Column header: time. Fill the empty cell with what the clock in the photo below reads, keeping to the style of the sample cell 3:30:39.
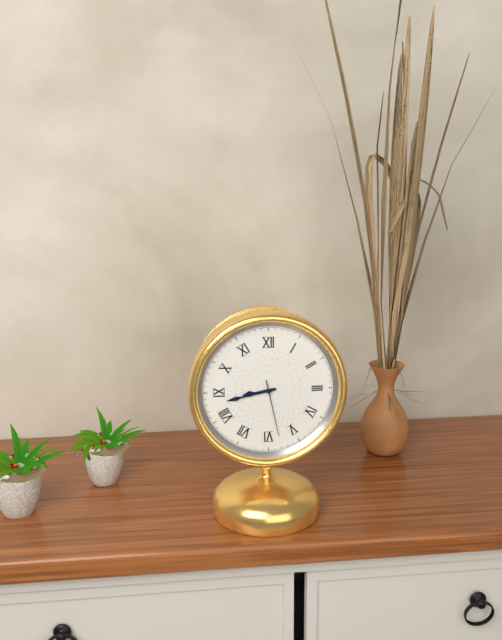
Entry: 8:43:28
